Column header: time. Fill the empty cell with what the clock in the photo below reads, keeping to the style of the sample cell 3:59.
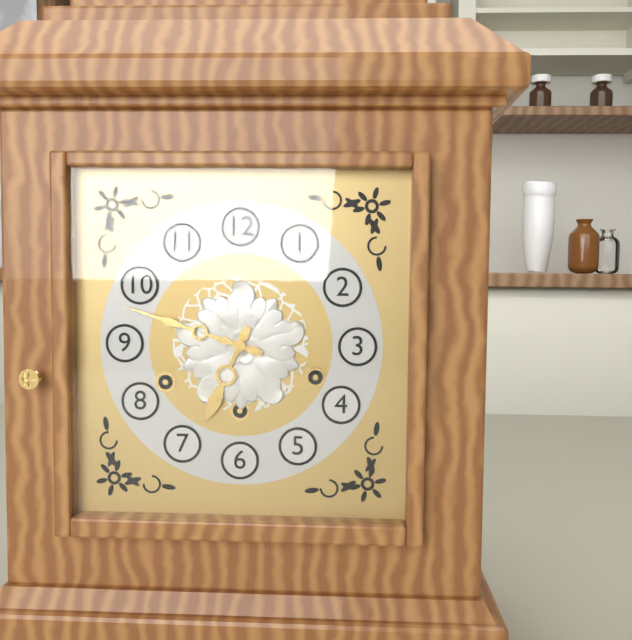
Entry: 6:48
